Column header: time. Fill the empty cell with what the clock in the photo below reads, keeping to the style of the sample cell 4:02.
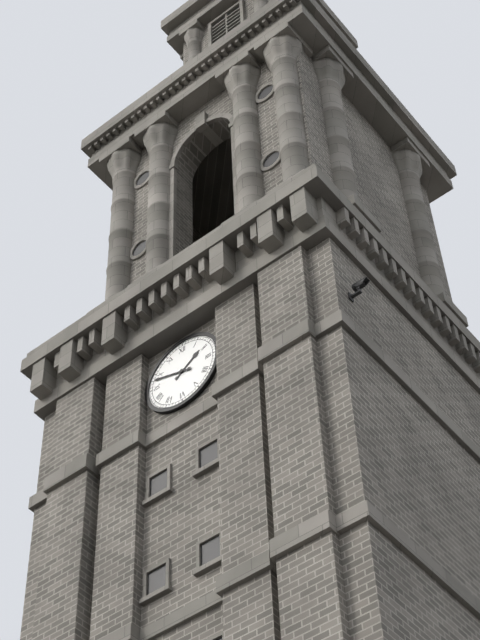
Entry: 1:48
